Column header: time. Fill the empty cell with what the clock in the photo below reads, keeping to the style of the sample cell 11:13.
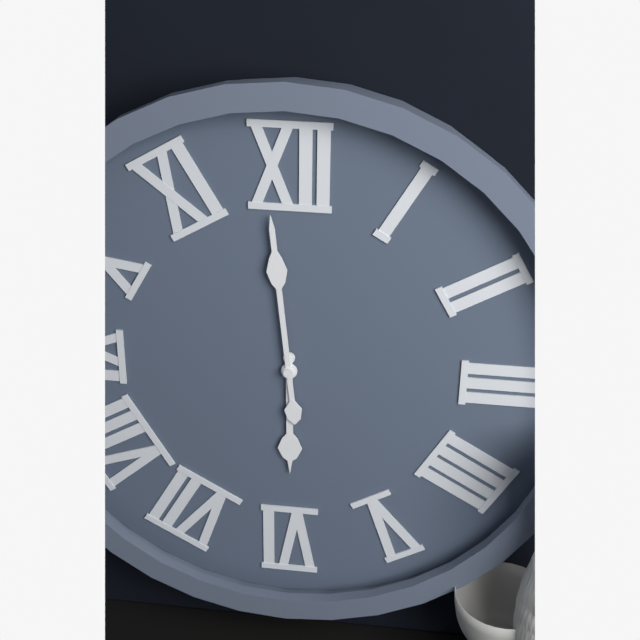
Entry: 5:59
